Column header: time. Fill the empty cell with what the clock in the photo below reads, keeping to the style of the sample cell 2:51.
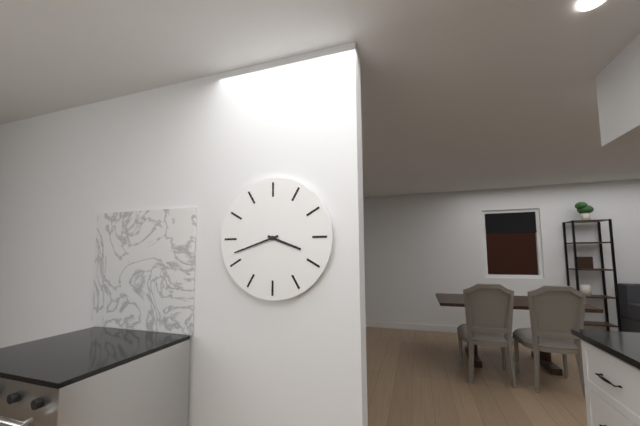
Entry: 3:42
